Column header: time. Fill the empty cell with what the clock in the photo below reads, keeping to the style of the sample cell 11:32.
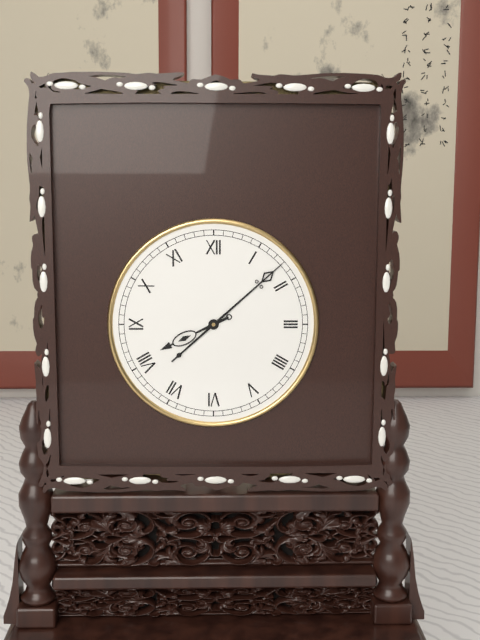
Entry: 8:08
